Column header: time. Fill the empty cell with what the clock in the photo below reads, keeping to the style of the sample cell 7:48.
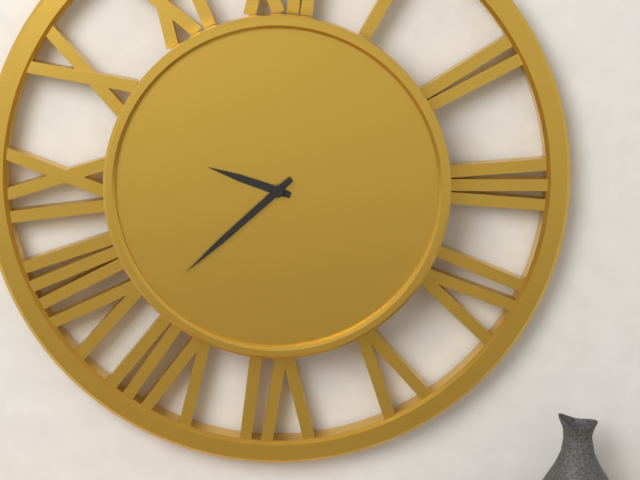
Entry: 9:38
